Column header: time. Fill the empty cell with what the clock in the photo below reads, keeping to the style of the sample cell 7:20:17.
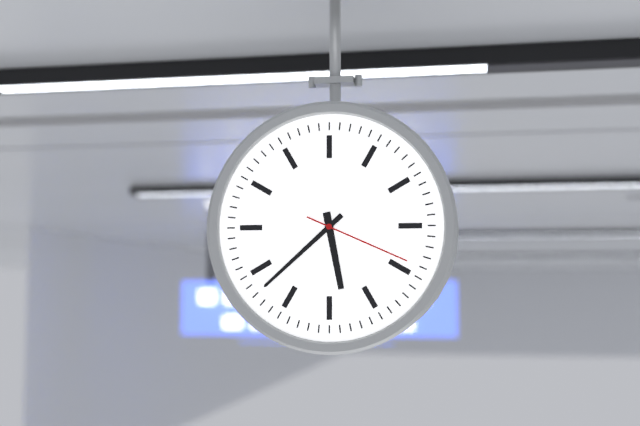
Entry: 5:38:19
